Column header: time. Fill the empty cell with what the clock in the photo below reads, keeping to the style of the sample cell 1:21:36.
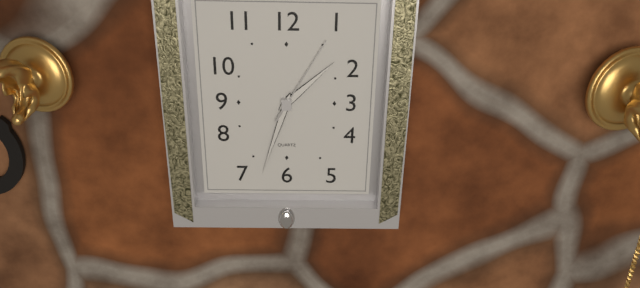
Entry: 1:33:05
